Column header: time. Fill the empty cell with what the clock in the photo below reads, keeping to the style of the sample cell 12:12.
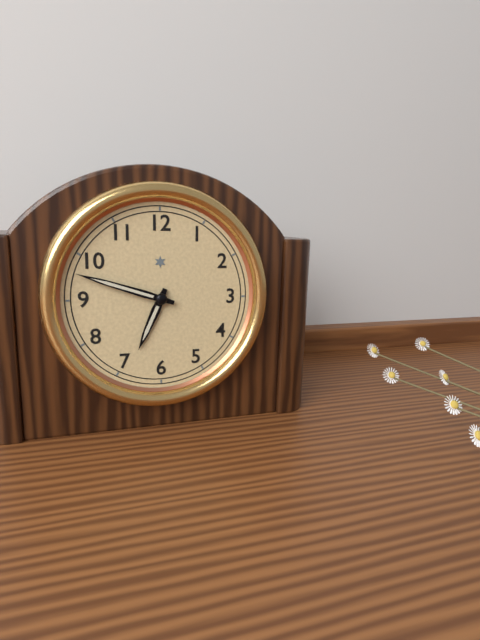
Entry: 6:48
